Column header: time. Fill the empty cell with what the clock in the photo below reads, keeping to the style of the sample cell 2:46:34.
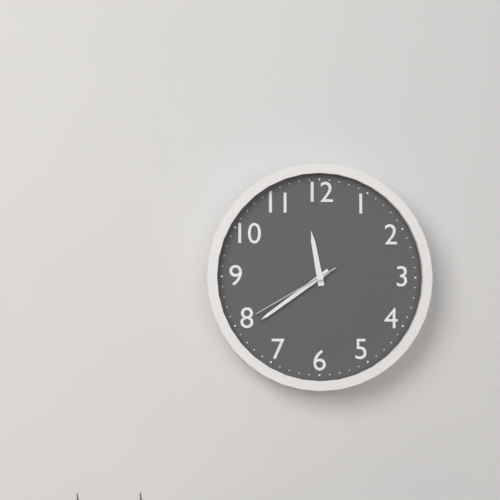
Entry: 11:39:40
